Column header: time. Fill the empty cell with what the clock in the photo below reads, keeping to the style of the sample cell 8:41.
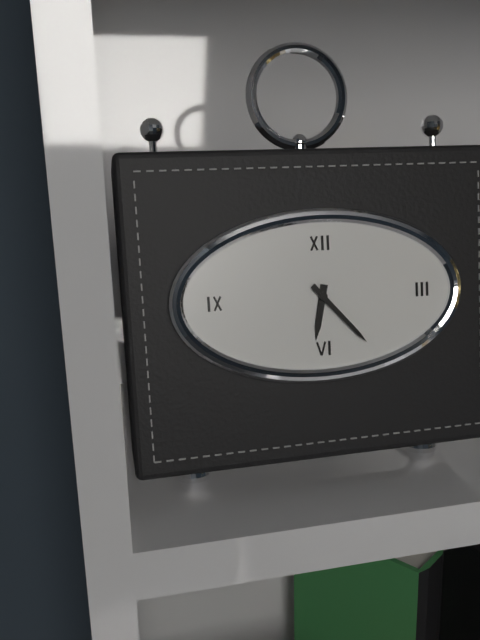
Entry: 6:23
